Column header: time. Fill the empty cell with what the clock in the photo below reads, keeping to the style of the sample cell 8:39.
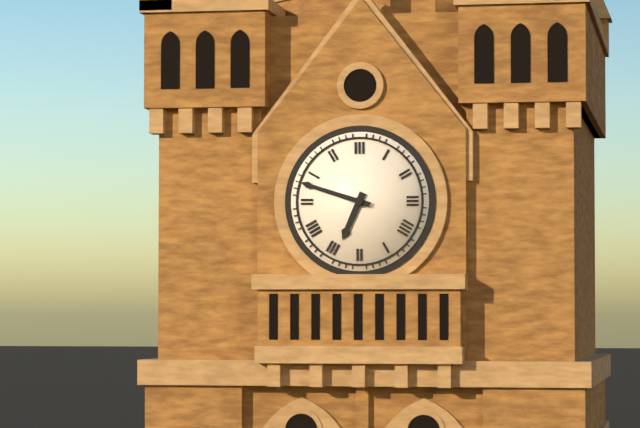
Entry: 6:48
